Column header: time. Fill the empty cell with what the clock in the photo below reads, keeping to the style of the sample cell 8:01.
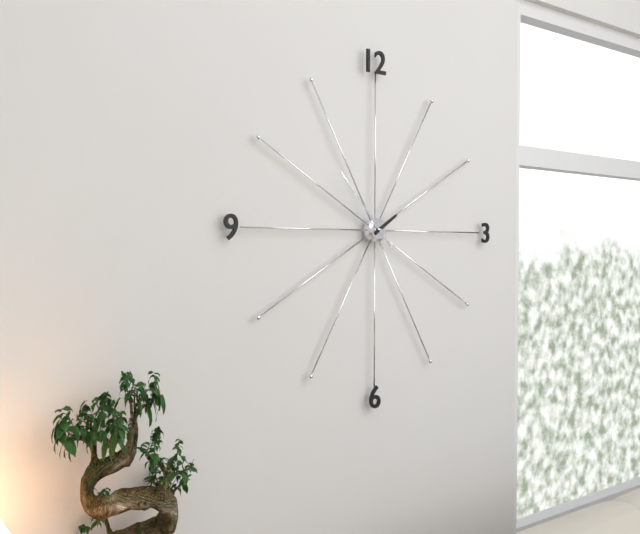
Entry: 1:53
